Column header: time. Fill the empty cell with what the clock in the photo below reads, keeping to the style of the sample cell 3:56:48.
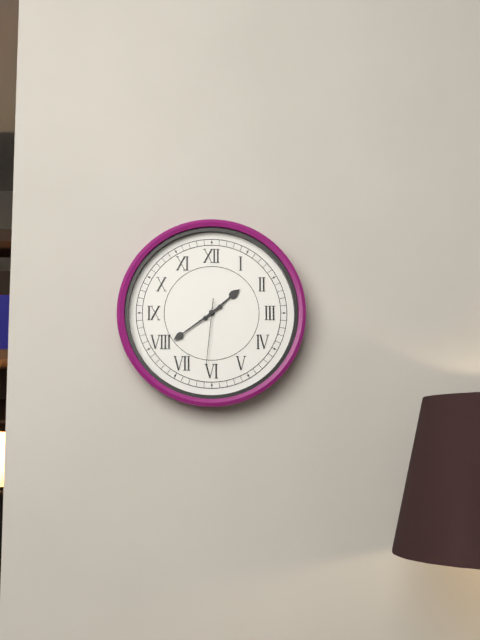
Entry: 1:39:31
